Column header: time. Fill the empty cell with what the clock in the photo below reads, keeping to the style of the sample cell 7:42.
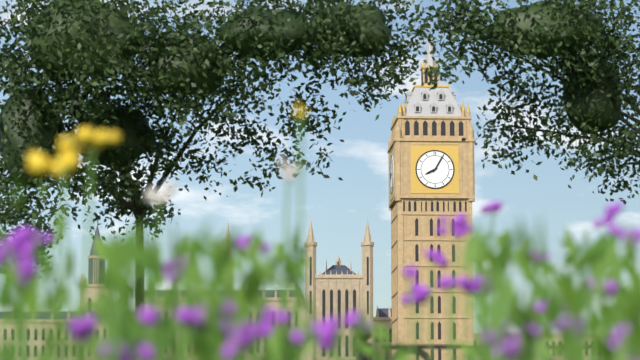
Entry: 8:05
